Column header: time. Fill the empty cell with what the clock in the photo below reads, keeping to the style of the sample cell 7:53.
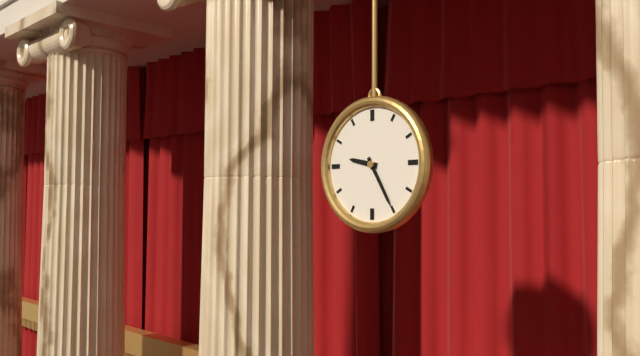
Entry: 9:25
